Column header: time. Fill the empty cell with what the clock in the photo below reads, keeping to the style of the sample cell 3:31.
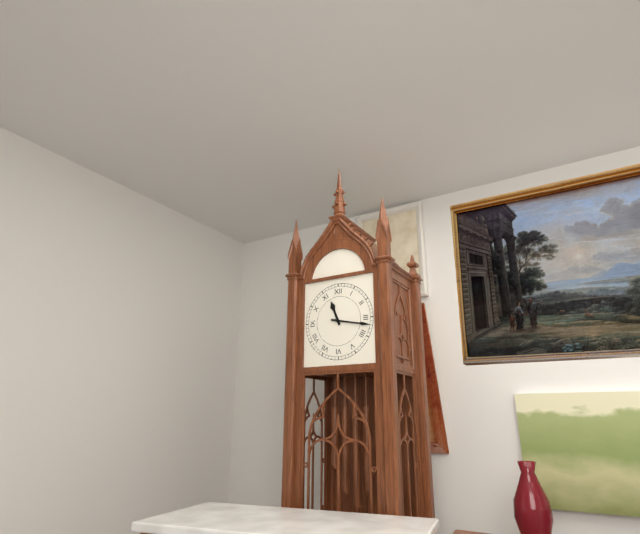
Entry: 11:17
